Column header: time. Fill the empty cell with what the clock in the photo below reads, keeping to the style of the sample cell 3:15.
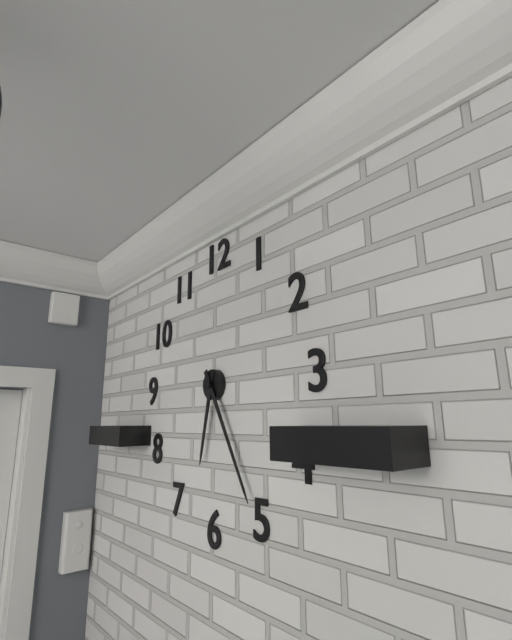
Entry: 6:25
